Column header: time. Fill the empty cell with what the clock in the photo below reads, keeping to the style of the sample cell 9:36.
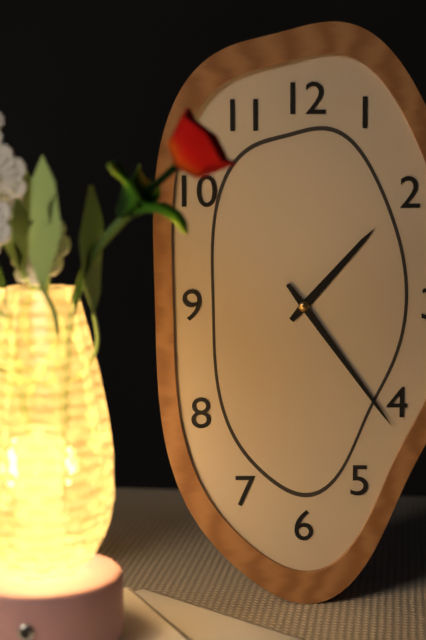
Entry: 1:24
